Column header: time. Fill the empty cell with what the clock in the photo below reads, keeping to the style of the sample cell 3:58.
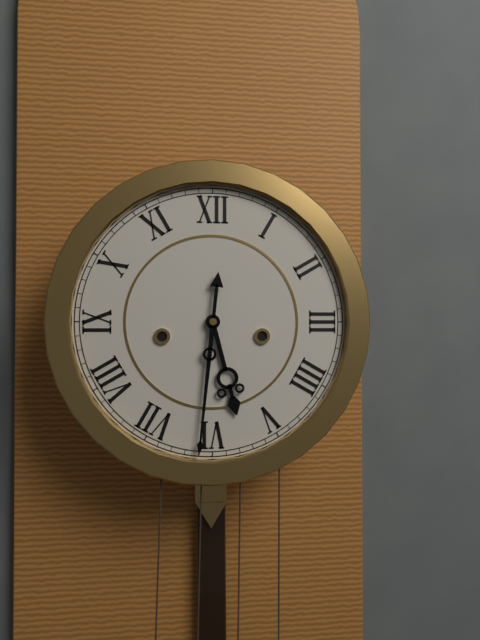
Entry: 5:31
